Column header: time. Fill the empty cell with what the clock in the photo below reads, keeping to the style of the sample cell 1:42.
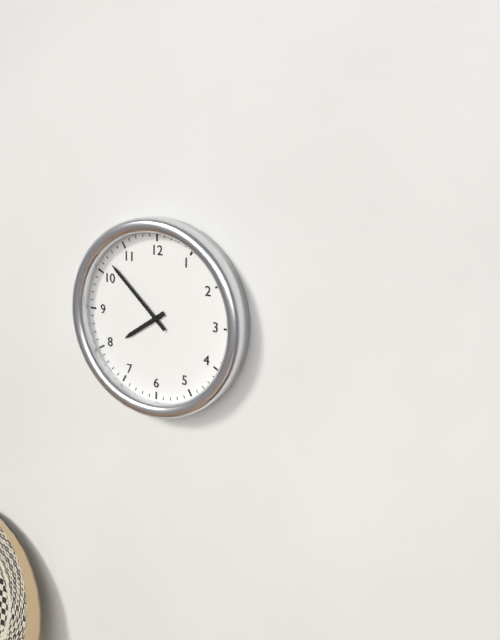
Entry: 7:52
